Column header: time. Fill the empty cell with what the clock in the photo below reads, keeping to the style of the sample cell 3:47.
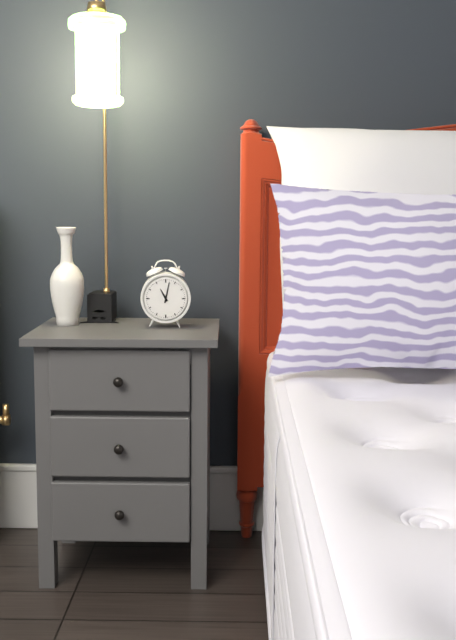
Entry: 11:02
